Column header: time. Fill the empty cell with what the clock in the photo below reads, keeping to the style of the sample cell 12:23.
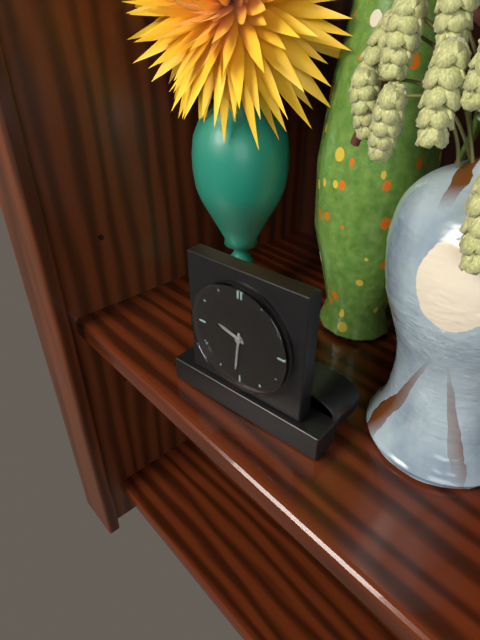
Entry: 9:31
